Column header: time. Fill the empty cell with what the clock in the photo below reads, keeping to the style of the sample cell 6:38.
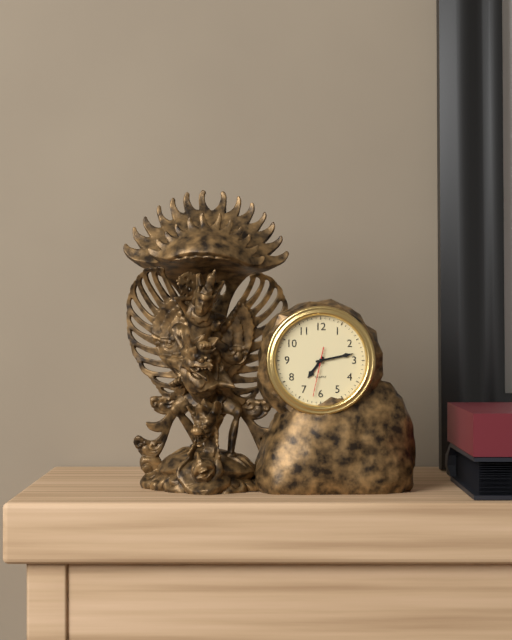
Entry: 7:13
